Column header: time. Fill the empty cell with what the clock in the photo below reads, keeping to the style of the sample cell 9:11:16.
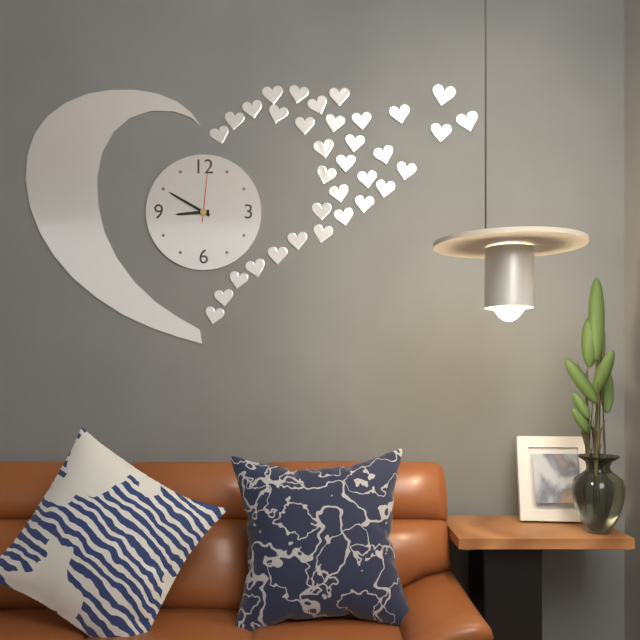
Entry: 8:50:01
